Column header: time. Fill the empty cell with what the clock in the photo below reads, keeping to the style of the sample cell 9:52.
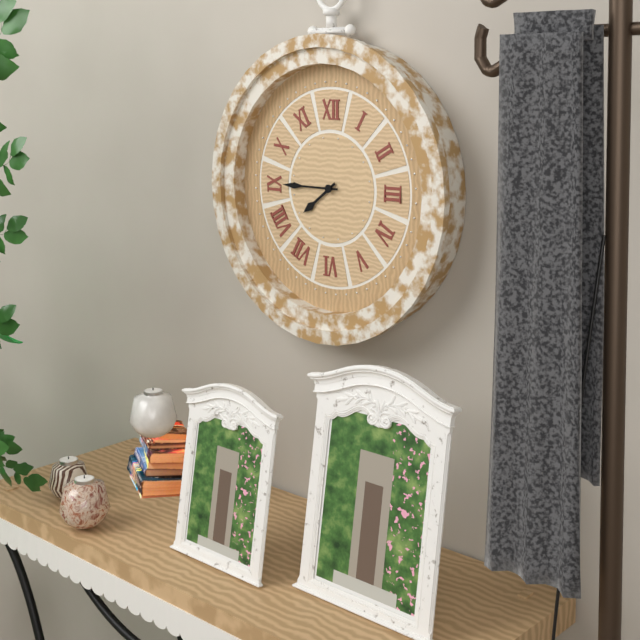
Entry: 7:45
